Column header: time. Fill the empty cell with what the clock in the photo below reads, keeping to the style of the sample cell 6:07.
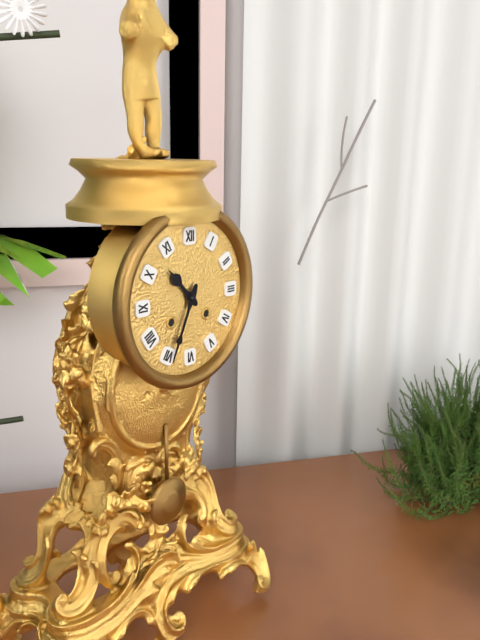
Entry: 10:34
